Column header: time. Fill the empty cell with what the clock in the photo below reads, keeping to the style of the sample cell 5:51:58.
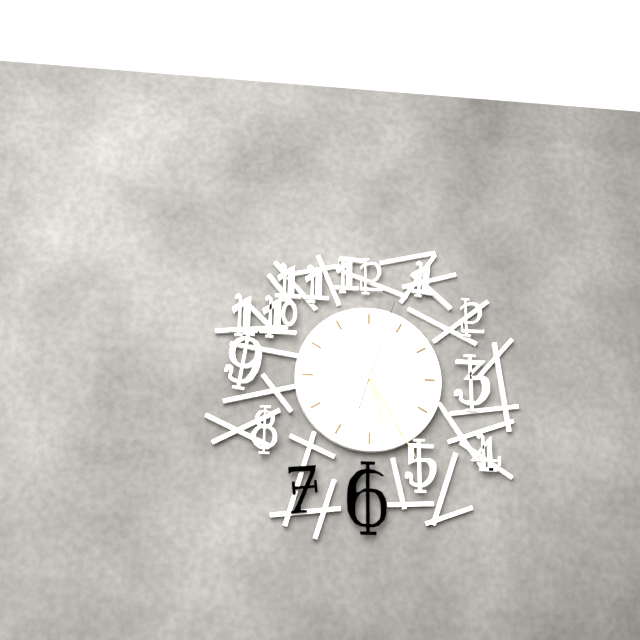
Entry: 5:25:03
